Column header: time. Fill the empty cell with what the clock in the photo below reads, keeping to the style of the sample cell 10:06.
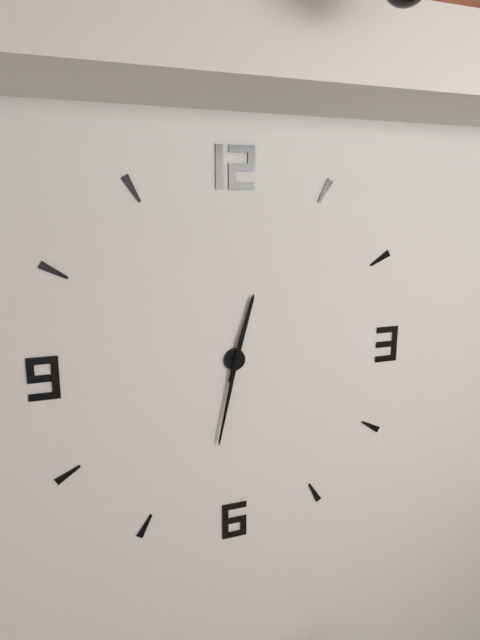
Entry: 12:32
